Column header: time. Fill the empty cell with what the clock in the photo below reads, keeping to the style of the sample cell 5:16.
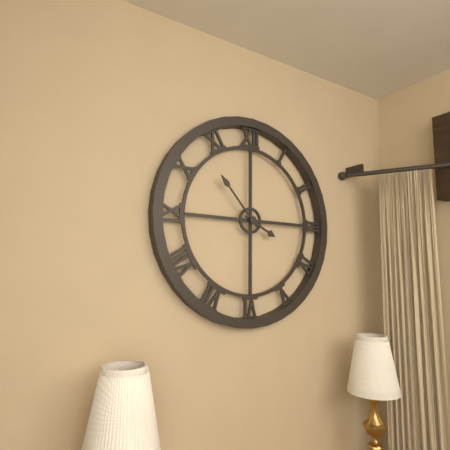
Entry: 3:53
